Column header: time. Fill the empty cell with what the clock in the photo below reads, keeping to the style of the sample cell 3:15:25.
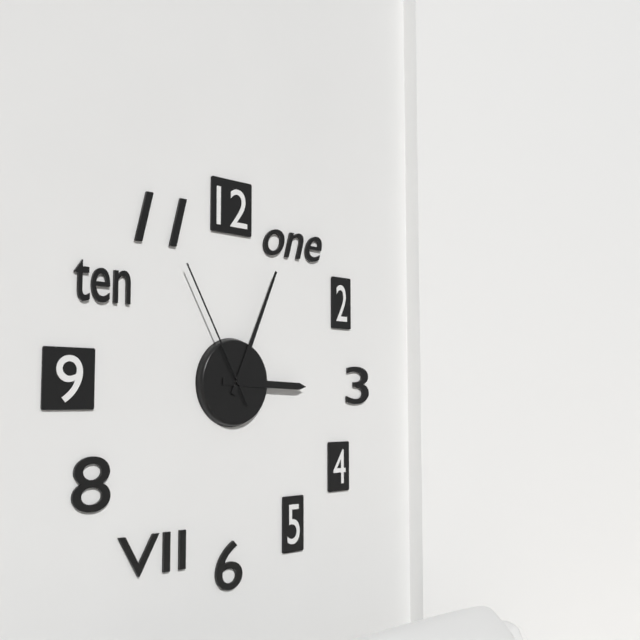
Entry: 3:04:55
